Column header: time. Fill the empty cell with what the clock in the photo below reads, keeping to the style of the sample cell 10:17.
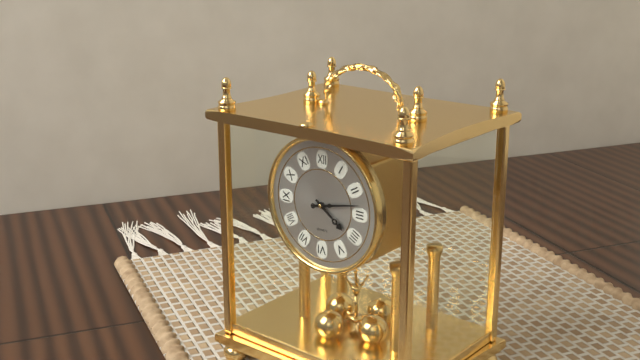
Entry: 4:13
